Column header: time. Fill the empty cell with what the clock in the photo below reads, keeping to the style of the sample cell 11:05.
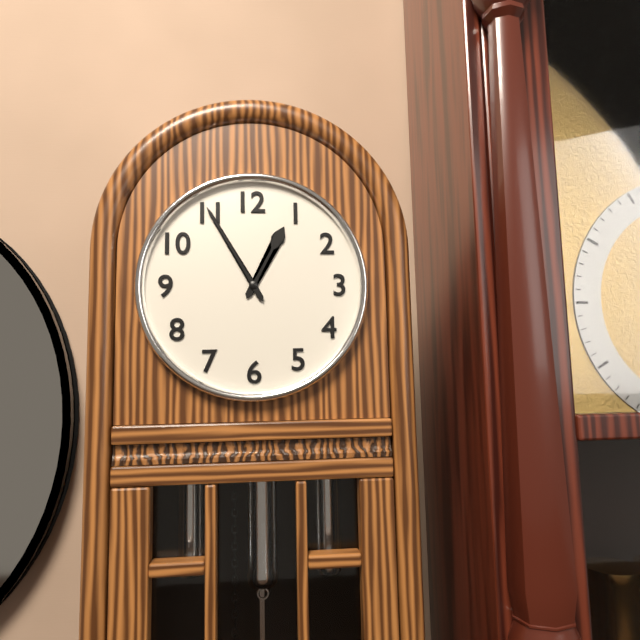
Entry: 12:55
